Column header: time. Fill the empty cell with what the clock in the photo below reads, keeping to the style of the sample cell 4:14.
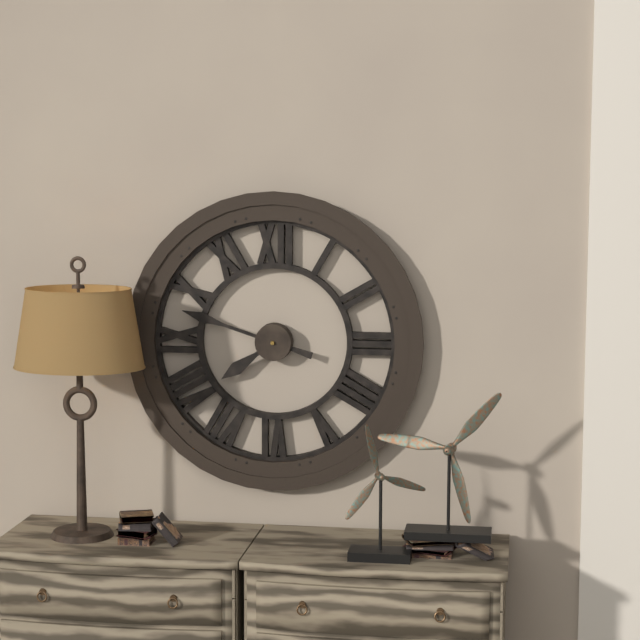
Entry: 7:48
